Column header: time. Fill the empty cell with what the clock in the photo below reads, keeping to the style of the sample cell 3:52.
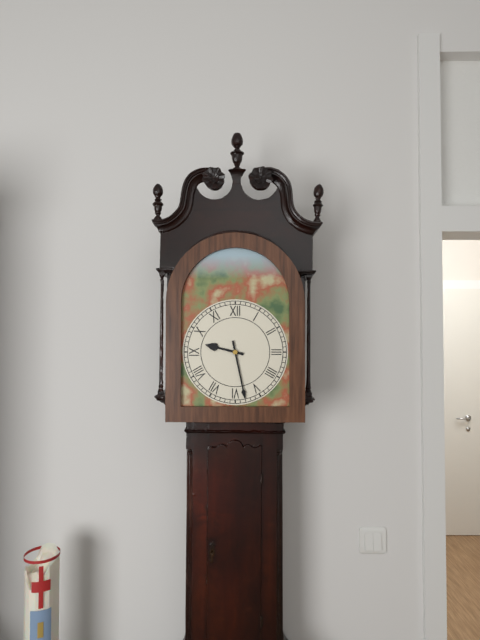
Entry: 9:28
